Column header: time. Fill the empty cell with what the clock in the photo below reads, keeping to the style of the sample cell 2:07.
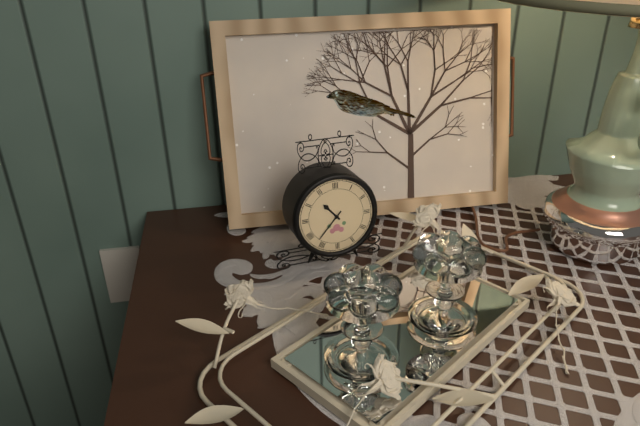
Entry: 10:37
